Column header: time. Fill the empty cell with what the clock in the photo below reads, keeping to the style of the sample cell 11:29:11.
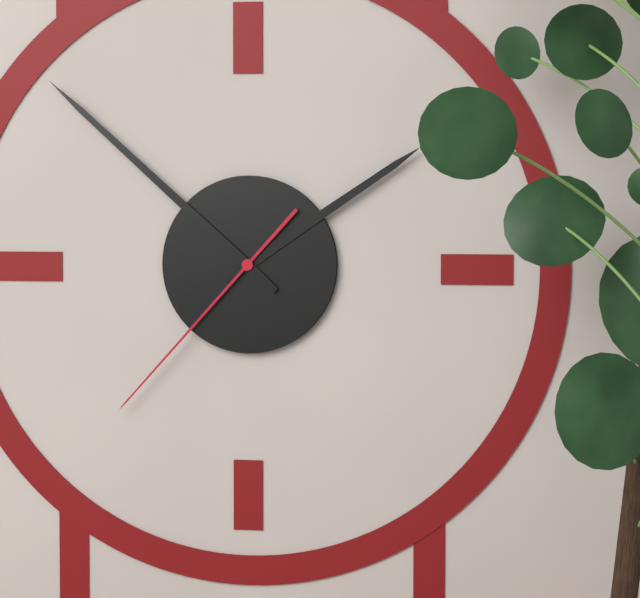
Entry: 1:52:37
